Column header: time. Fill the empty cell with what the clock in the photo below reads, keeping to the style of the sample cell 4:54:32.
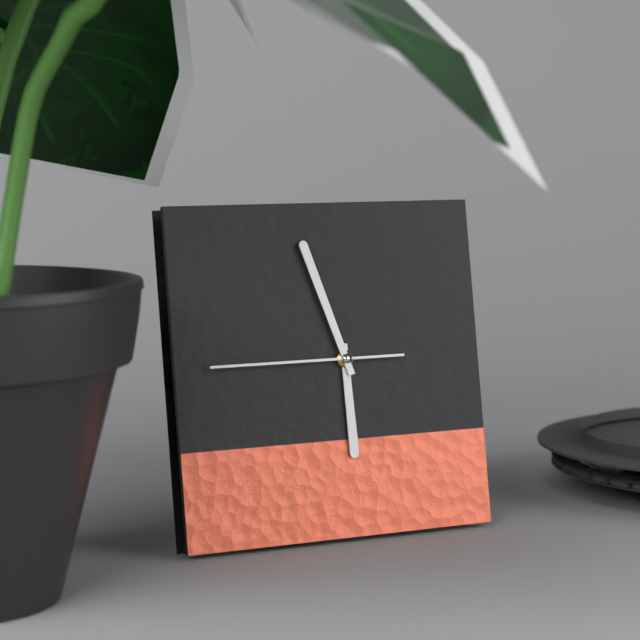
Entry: 5:57:45
